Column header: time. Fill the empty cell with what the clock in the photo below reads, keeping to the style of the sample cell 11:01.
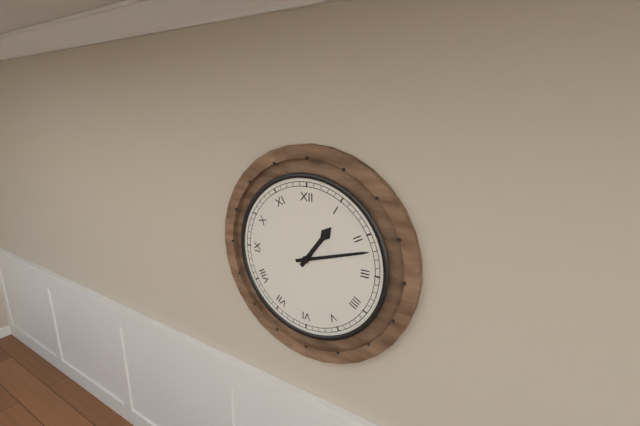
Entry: 1:12
